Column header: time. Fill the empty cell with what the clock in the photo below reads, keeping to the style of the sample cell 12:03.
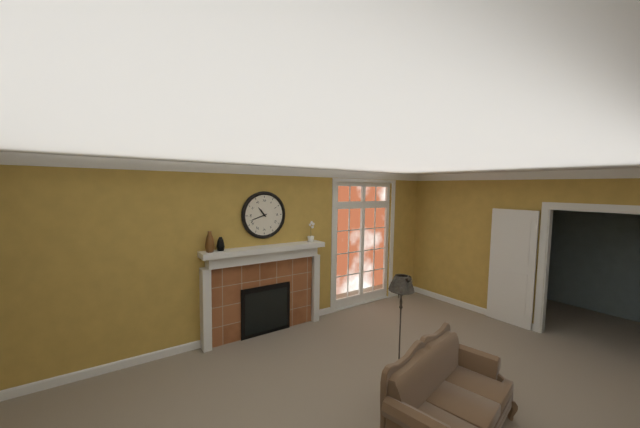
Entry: 10:42
